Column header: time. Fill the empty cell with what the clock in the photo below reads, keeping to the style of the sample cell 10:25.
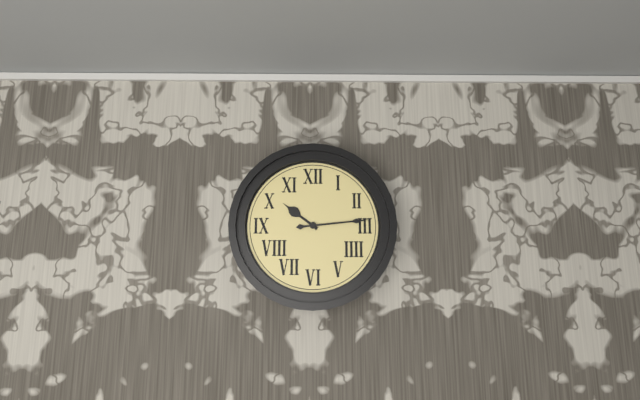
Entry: 10:14
